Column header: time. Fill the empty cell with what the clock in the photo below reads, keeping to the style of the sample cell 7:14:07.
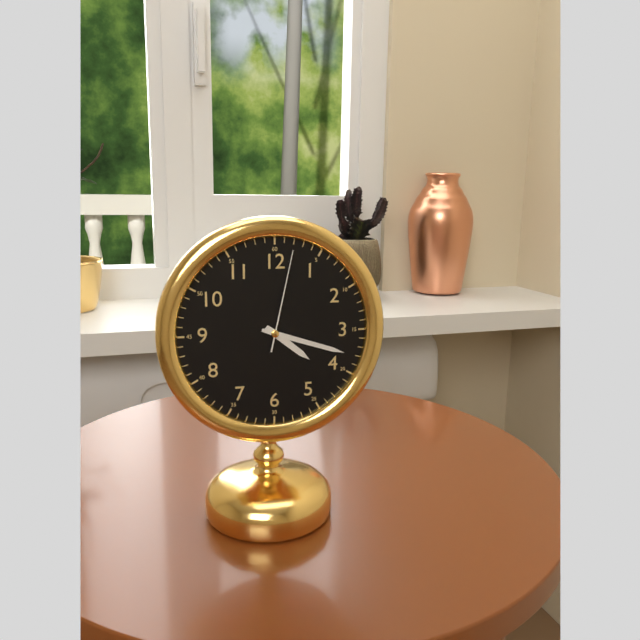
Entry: 4:18:02
